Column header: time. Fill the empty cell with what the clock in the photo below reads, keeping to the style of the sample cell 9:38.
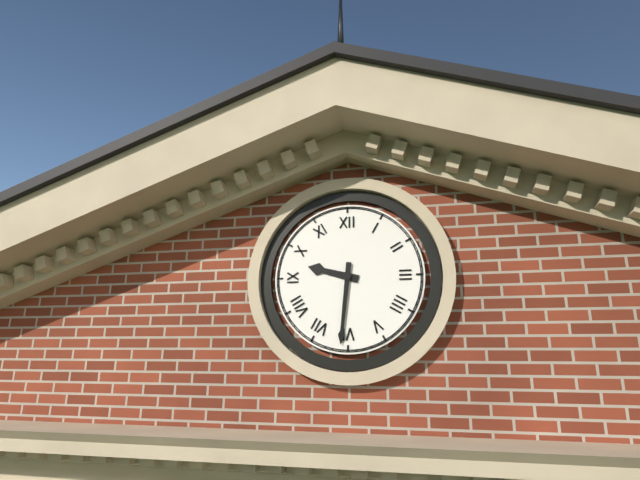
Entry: 9:31
